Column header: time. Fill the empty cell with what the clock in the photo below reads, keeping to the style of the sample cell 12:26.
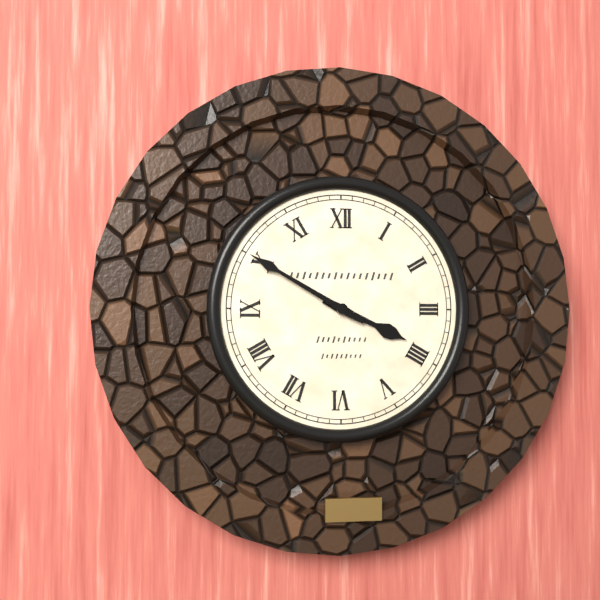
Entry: 3:50
